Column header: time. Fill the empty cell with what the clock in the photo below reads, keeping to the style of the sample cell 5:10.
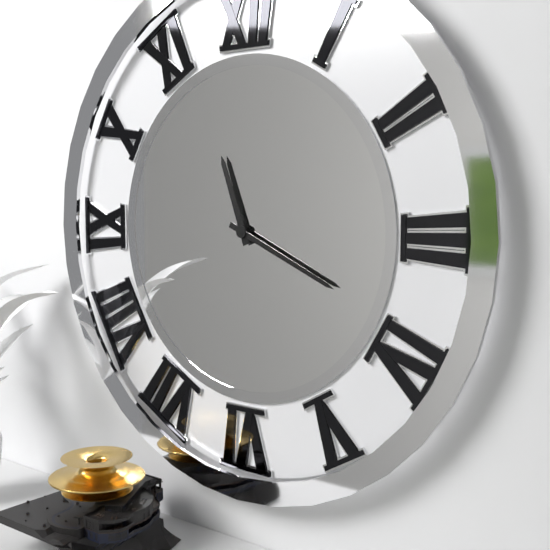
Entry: 11:19
